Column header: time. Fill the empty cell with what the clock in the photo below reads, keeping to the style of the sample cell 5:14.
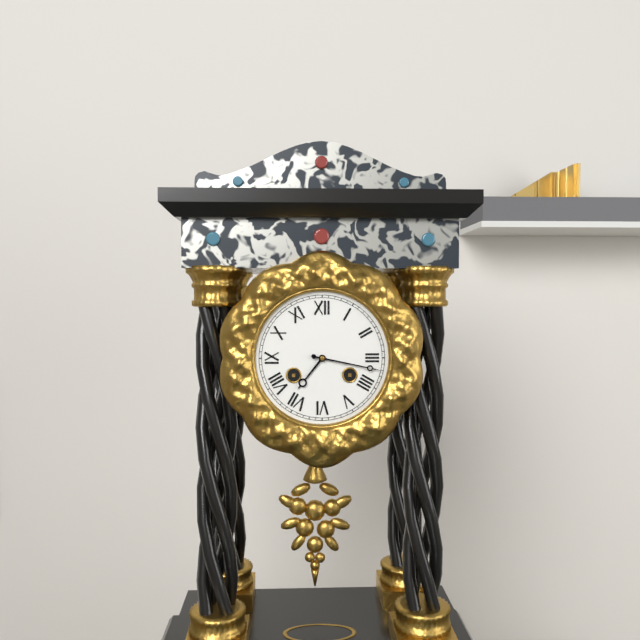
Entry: 7:17
